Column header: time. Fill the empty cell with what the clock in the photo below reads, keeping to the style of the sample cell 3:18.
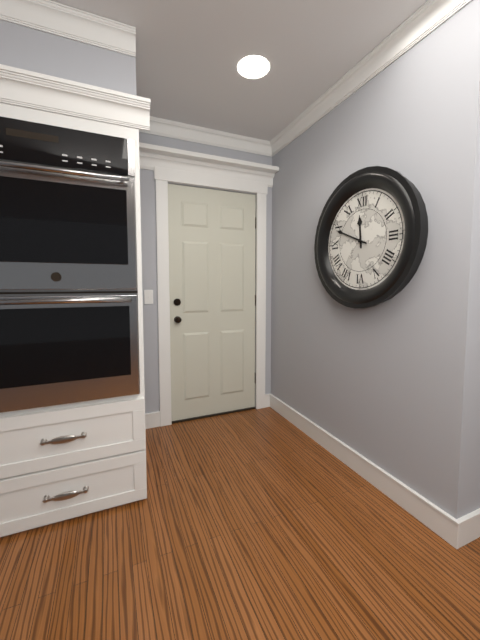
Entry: 11:49
